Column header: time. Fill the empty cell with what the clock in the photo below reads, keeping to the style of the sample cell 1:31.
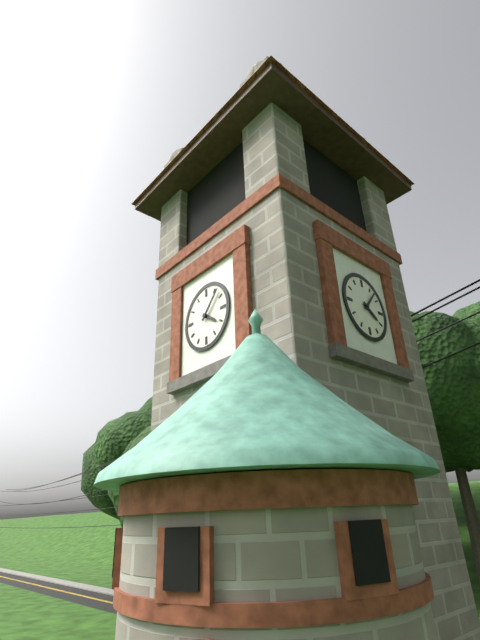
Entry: 4:07
